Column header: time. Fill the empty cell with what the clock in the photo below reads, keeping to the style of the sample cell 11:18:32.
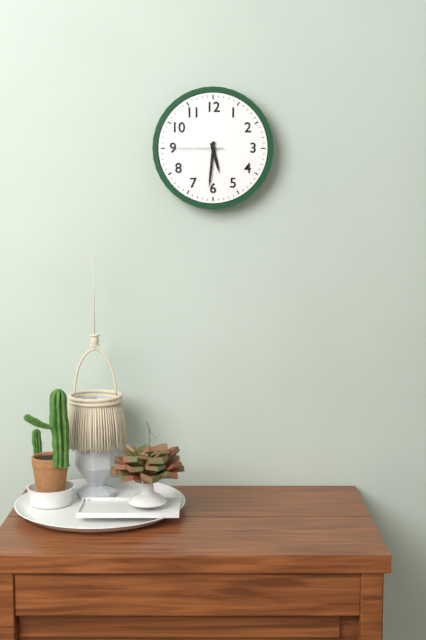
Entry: 5:31:45
